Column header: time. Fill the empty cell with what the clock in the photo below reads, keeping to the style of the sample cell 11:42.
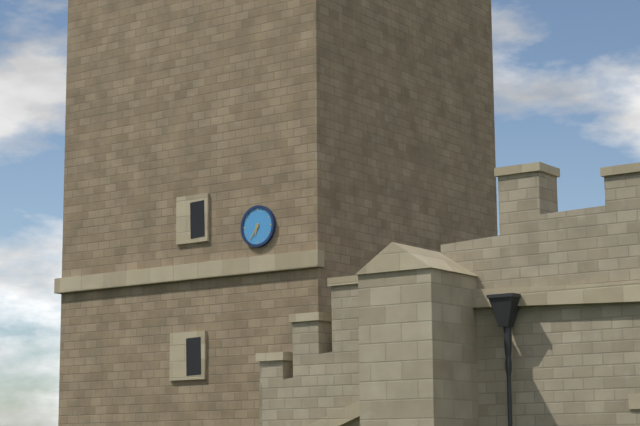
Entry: 6:36
